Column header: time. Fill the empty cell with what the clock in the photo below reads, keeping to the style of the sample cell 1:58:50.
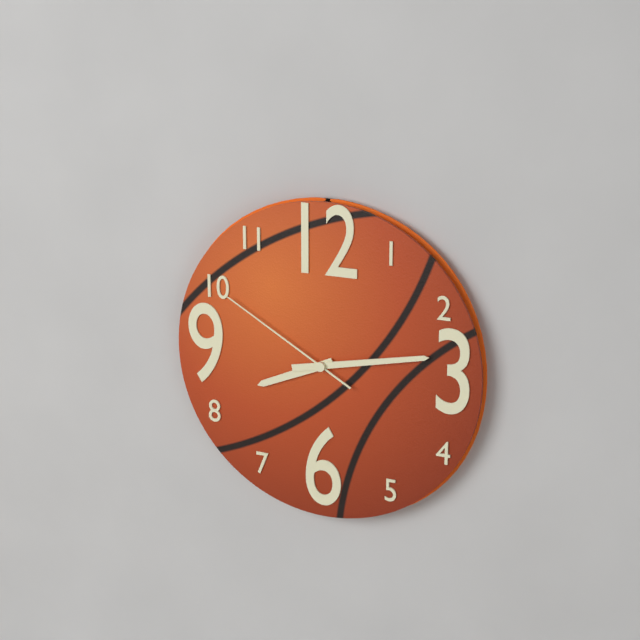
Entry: 8:13:50
